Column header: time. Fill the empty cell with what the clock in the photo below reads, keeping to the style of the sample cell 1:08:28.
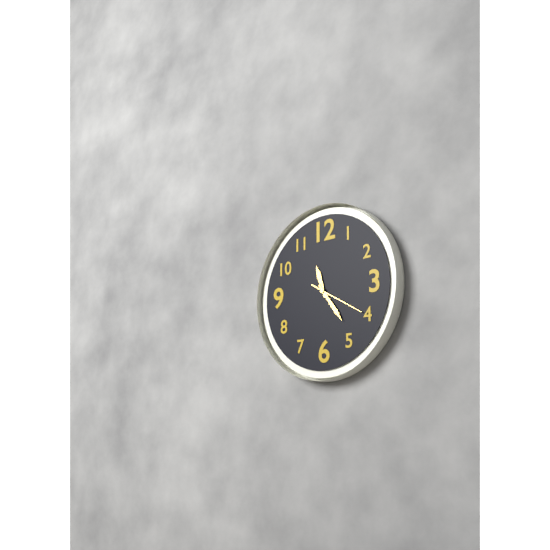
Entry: 11:24:20
